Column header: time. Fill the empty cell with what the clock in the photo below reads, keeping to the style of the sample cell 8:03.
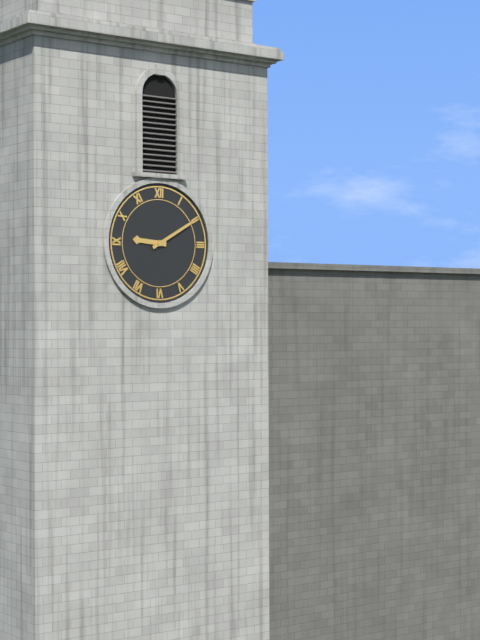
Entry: 9:10
